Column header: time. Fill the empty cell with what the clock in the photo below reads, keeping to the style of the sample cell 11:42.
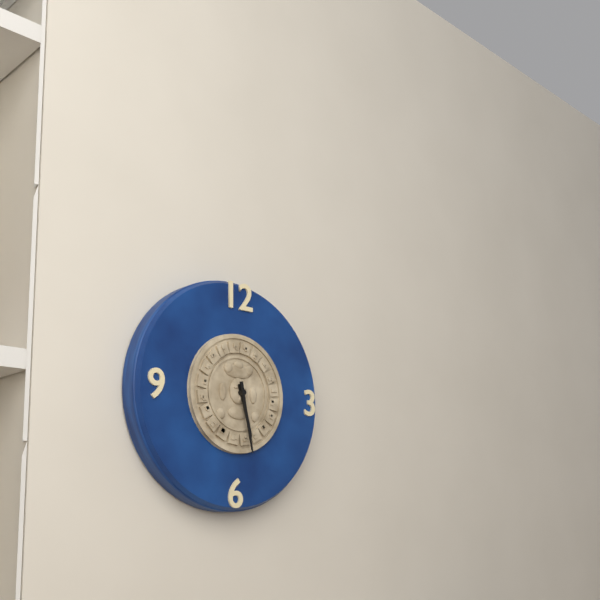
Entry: 5:28
